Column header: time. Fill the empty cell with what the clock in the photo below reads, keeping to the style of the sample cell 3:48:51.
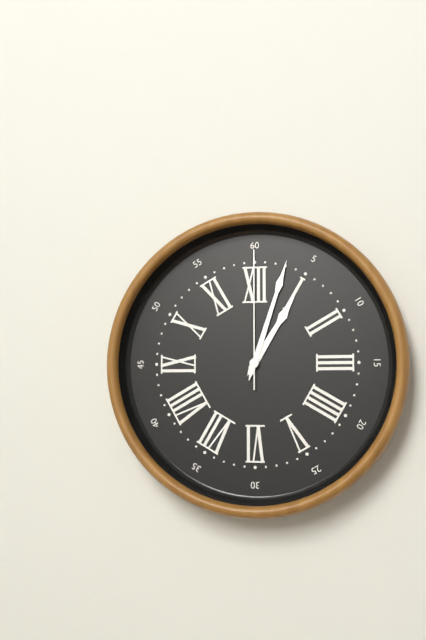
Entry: 1:03:00
